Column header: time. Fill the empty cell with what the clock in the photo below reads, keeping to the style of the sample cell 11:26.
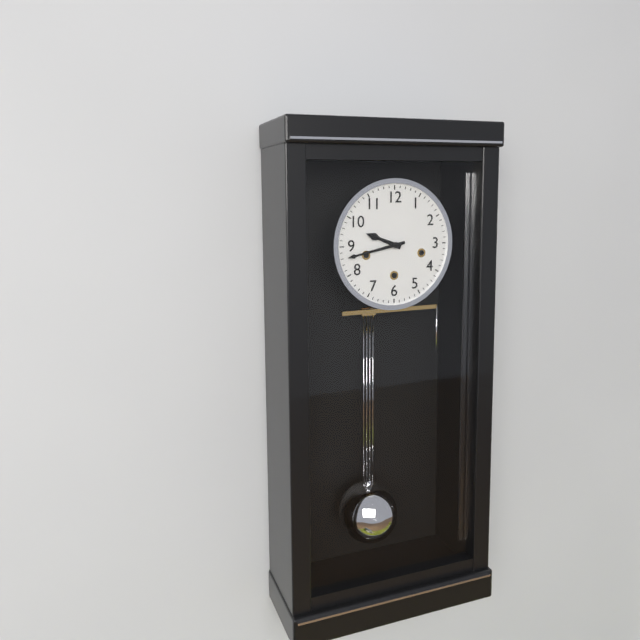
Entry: 9:43
